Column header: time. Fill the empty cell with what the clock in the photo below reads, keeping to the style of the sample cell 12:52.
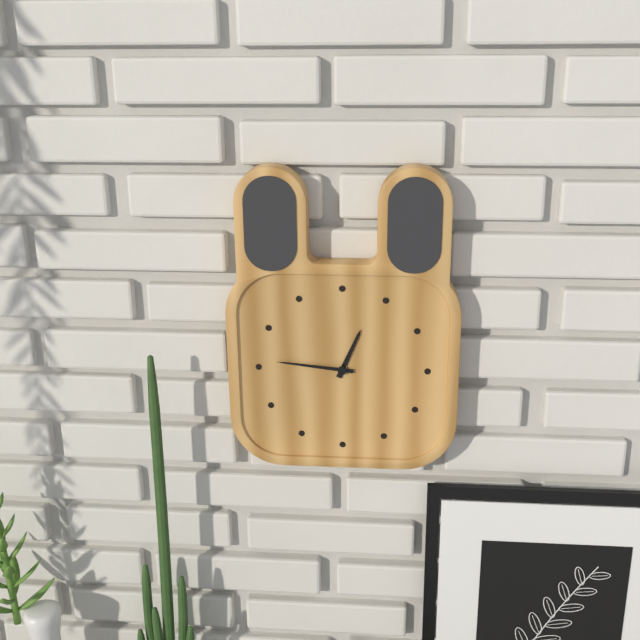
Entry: 12:46
